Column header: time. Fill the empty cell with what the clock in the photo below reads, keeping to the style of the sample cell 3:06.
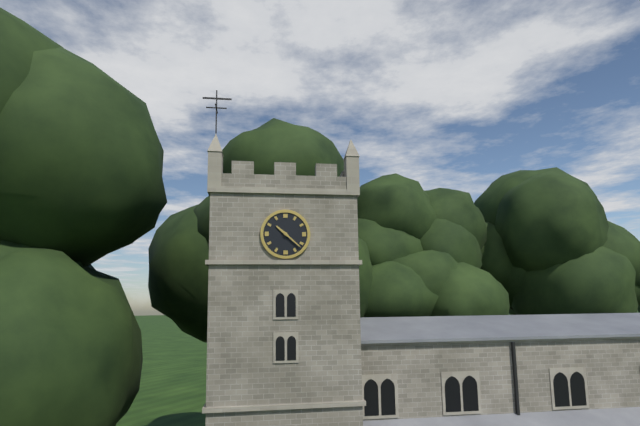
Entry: 10:22
